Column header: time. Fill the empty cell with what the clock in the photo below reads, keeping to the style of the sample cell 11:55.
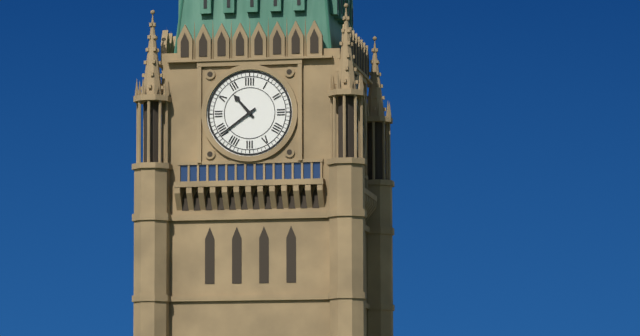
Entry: 10:39
